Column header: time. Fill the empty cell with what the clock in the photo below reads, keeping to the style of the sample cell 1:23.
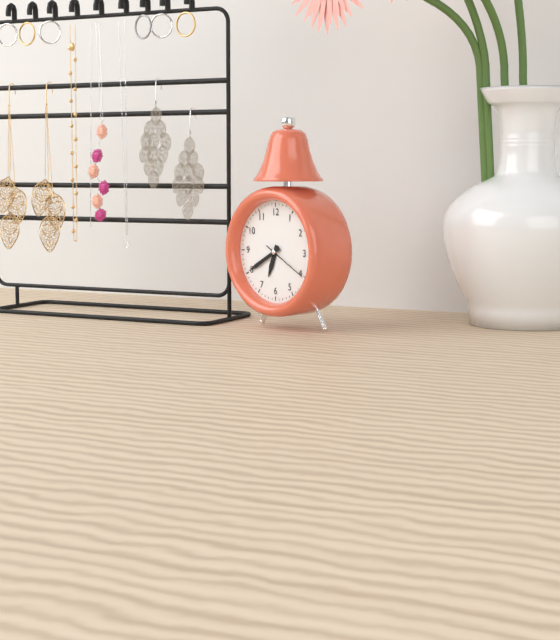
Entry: 6:40
